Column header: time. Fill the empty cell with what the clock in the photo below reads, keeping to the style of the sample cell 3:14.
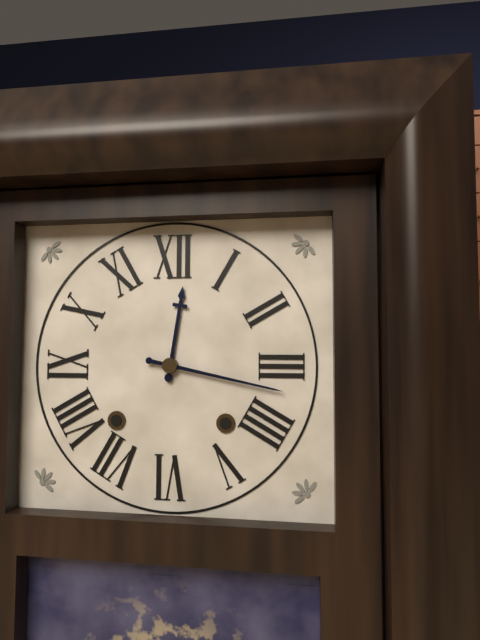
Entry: 12:17
